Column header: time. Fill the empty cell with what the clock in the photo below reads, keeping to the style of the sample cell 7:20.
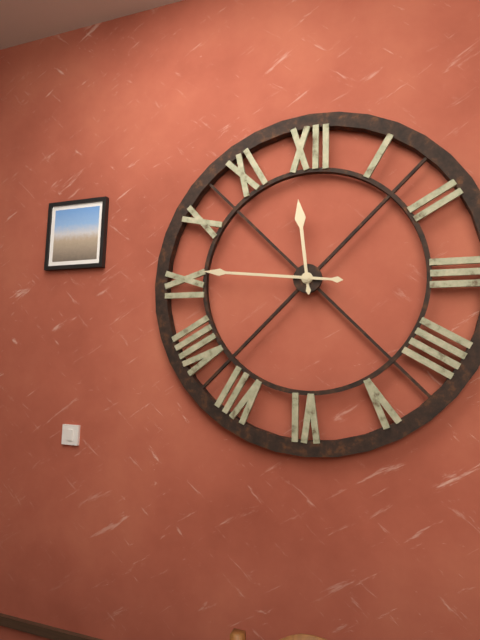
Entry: 11:46
